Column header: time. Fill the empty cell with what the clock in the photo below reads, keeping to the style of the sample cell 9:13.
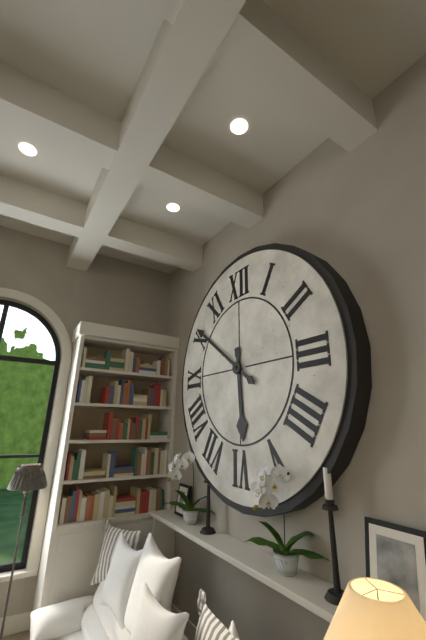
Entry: 5:51
